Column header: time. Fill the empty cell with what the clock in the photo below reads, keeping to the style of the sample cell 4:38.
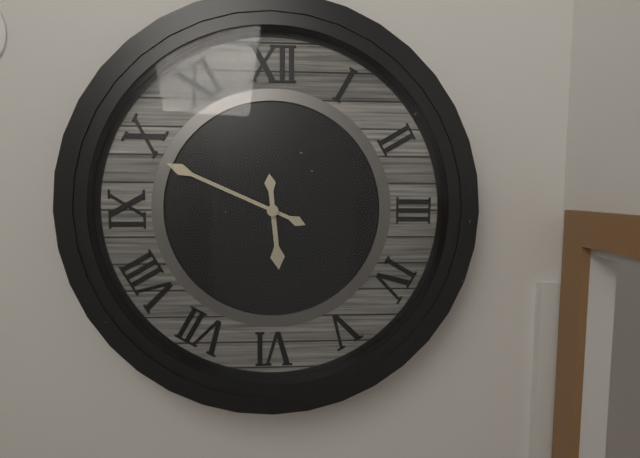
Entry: 5:49
